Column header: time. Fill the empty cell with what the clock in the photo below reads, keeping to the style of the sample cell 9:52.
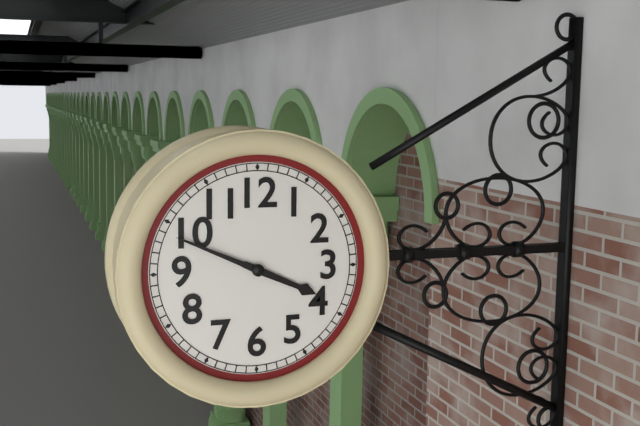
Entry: 3:49
